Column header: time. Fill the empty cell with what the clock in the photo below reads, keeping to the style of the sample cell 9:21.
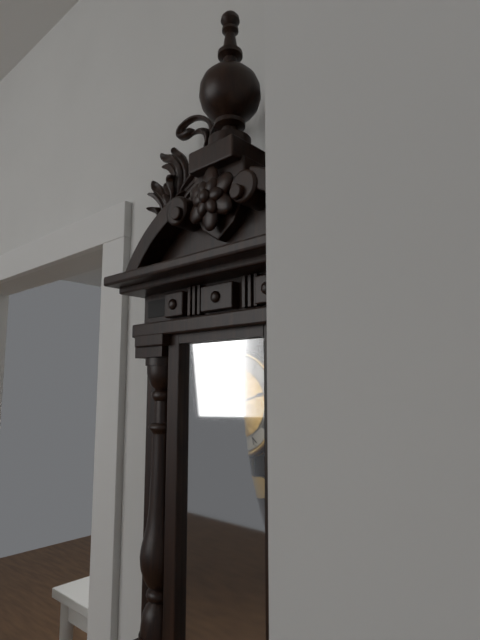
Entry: 7:12
